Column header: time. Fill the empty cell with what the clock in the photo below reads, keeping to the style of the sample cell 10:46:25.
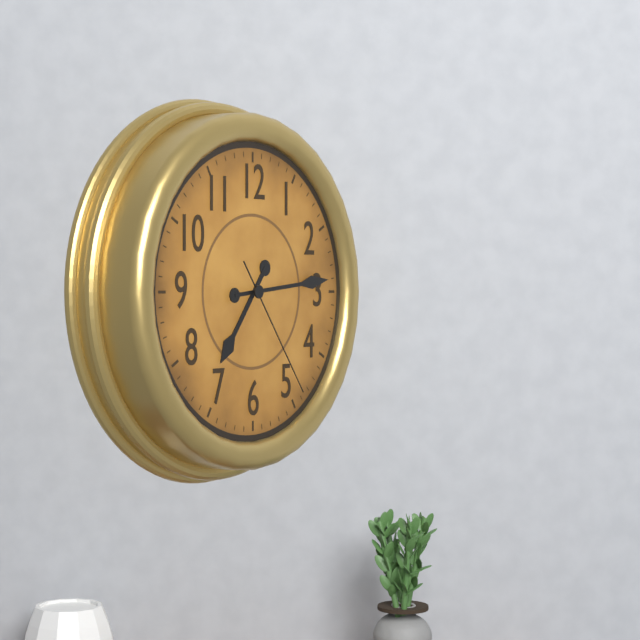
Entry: 7:14:24
